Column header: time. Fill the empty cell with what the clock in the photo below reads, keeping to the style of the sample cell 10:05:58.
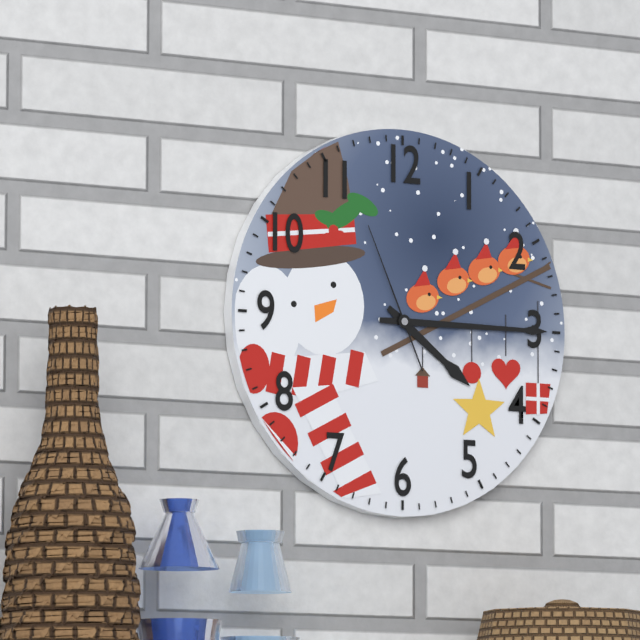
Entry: 4:15:56
